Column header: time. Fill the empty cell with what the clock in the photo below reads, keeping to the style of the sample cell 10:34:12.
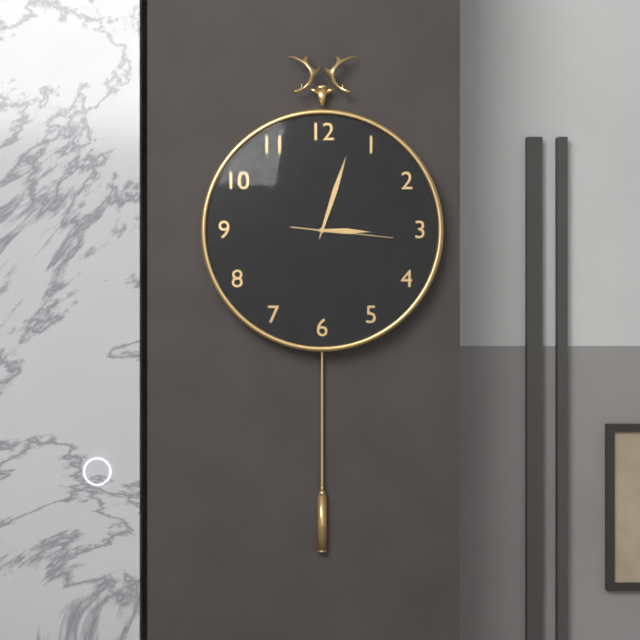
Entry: 3:03:16
